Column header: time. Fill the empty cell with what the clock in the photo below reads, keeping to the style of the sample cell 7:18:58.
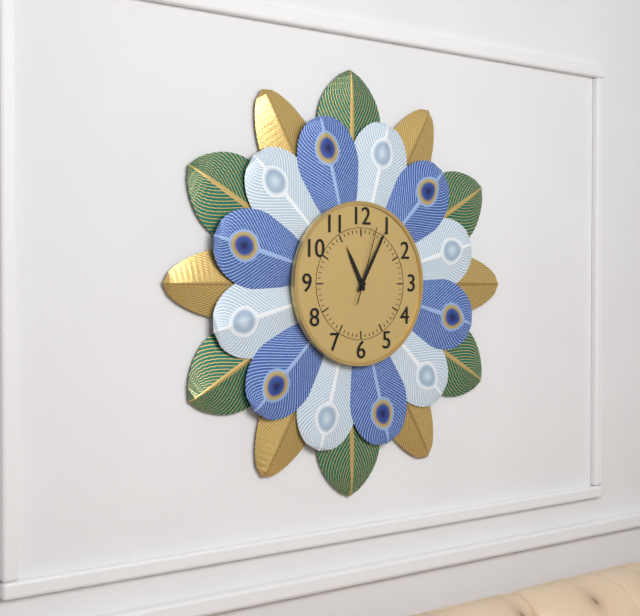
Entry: 11:05:03
